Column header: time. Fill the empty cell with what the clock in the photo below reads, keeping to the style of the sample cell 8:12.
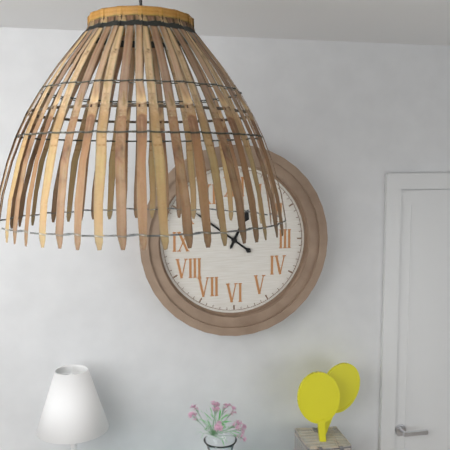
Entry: 12:51
